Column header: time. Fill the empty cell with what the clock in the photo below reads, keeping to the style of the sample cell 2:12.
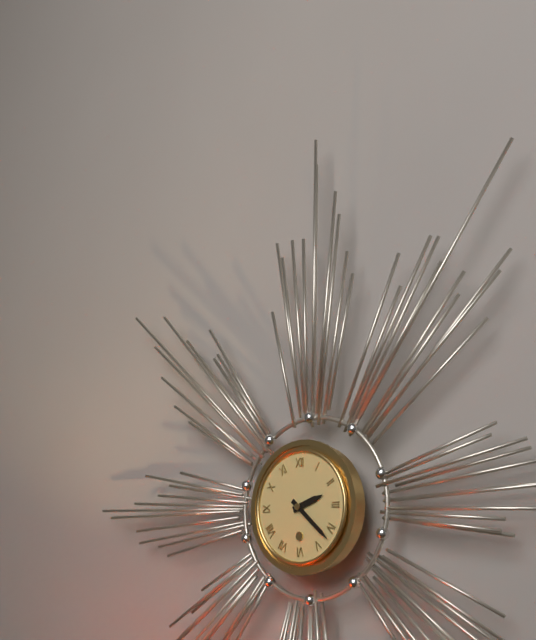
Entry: 2:22
